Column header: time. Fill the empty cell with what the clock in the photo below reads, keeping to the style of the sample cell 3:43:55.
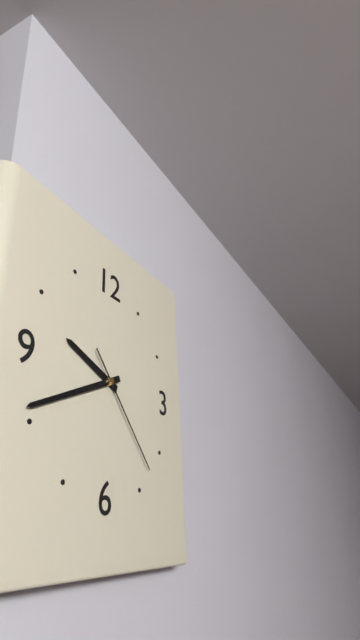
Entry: 9:41:23
